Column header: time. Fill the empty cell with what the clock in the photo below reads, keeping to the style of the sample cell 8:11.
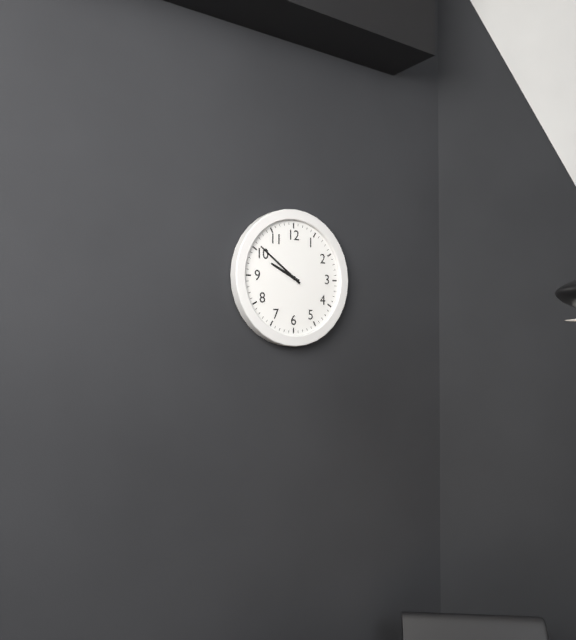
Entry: 9:51
